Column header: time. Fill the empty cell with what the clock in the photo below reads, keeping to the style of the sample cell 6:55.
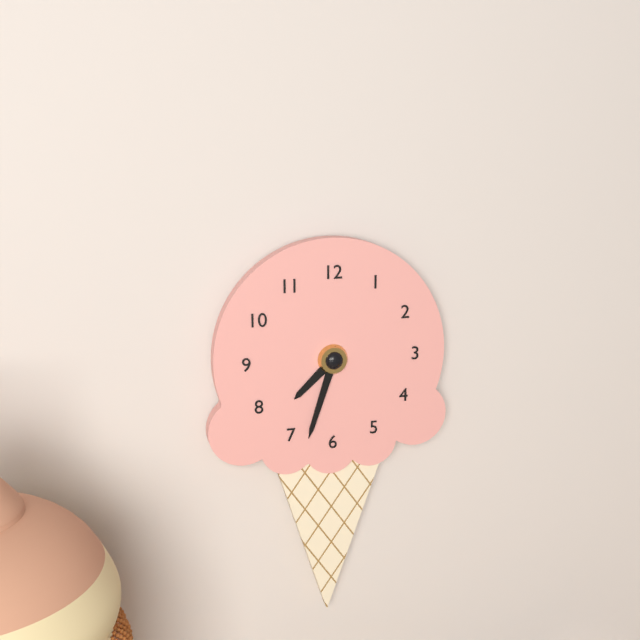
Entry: 7:33
